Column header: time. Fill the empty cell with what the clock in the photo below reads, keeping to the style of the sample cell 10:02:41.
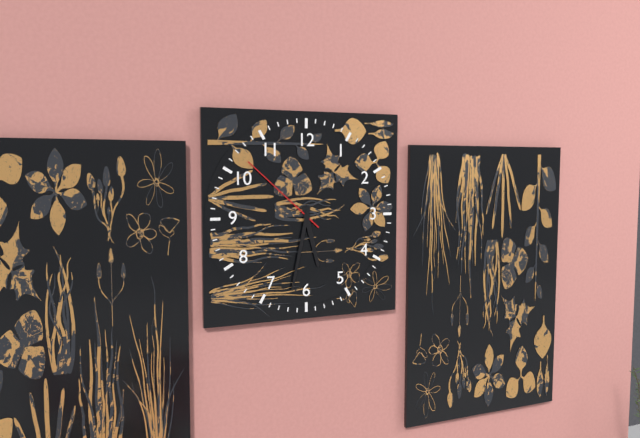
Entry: 5:32:52
